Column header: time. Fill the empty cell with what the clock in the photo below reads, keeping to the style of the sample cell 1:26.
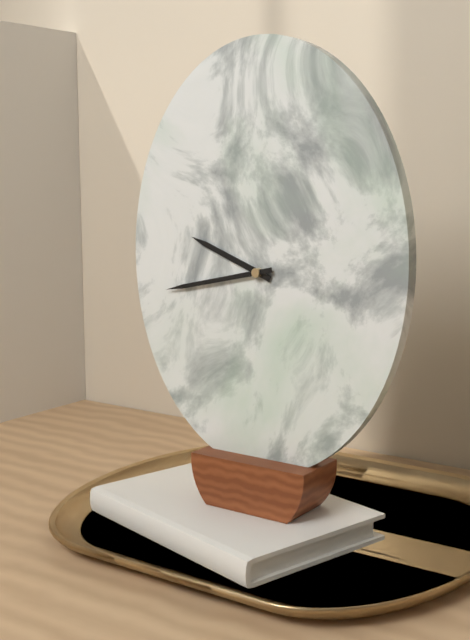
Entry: 9:43
